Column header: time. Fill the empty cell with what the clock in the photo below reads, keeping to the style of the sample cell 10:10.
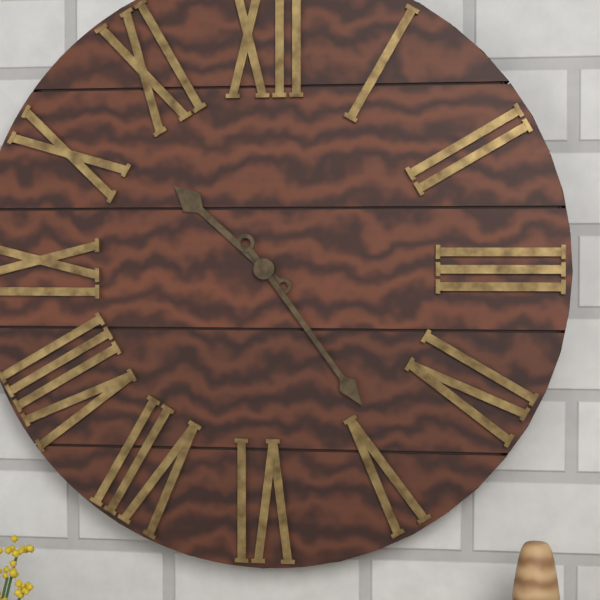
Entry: 10:24
